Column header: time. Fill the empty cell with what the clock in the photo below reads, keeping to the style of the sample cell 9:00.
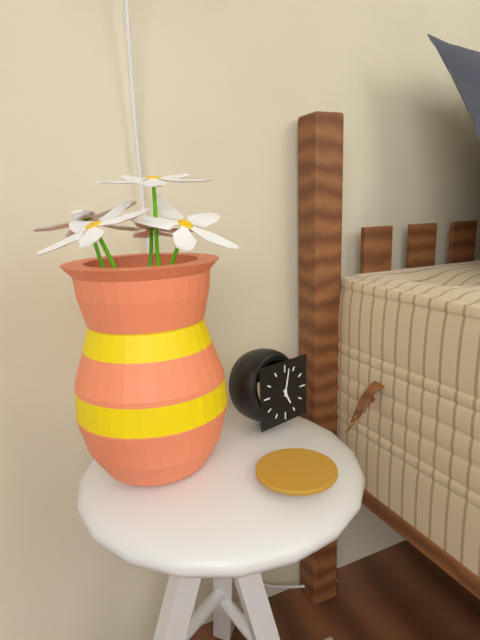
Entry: 5:02
